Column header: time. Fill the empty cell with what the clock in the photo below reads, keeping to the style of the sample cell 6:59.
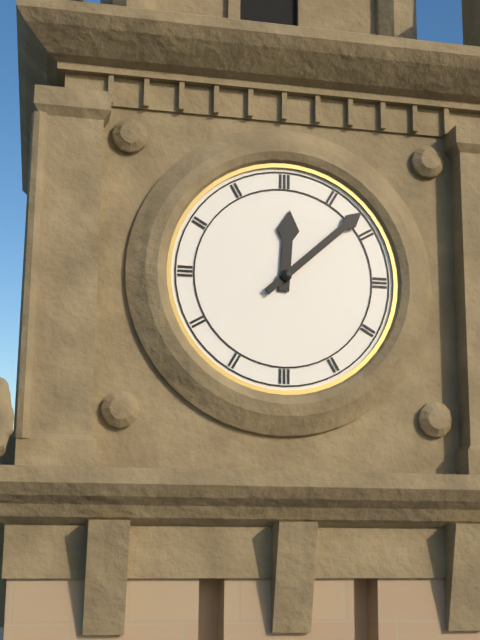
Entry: 12:08
